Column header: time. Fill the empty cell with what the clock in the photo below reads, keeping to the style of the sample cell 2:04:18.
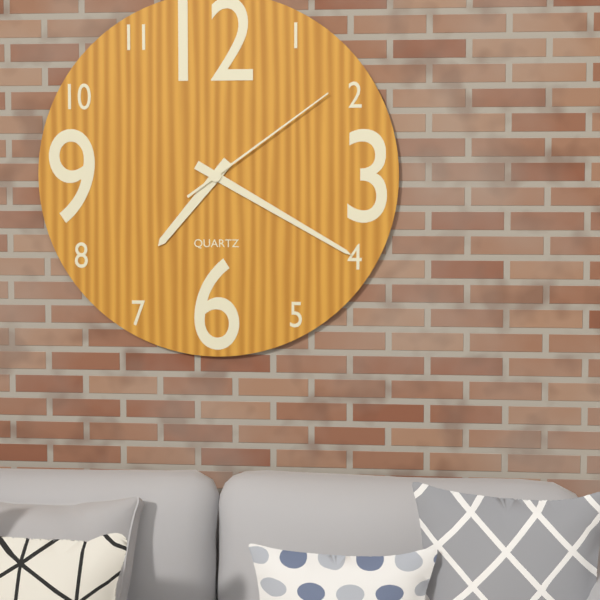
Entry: 7:20:09
